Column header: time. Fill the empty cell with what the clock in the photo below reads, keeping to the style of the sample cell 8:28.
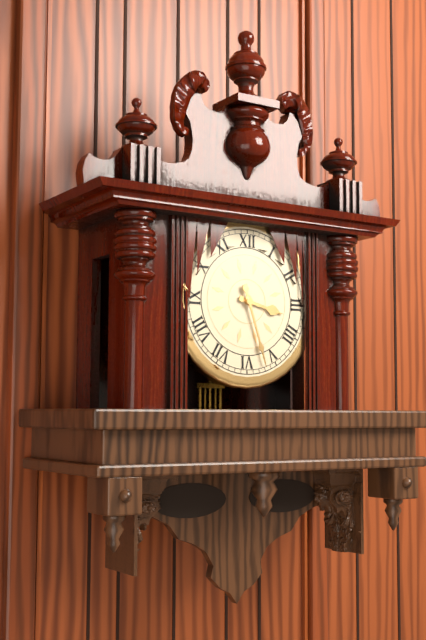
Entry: 3:27
